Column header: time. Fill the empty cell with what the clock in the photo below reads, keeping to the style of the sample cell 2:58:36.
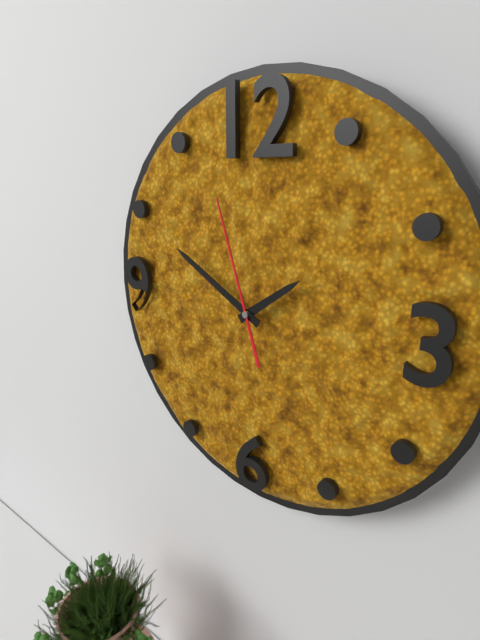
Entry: 1:50:57
